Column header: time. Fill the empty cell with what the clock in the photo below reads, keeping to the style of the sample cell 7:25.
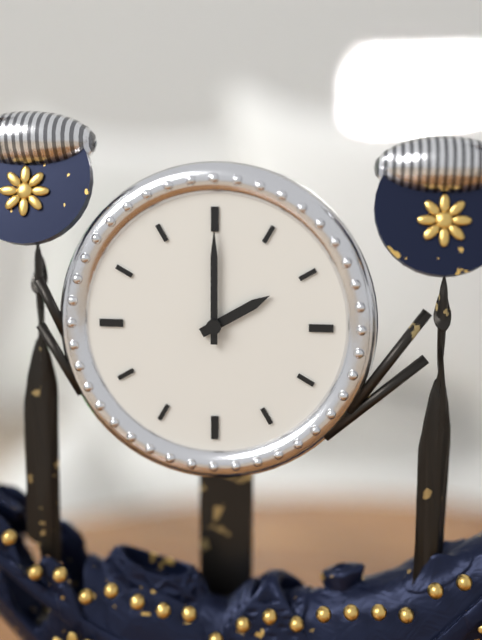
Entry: 2:00
